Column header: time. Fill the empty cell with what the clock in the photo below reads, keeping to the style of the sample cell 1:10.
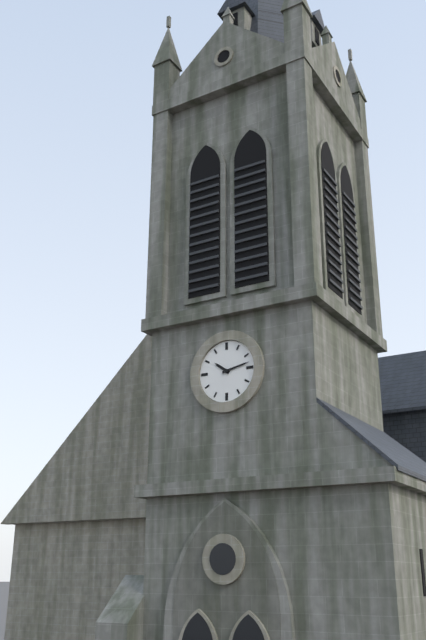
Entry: 10:13
